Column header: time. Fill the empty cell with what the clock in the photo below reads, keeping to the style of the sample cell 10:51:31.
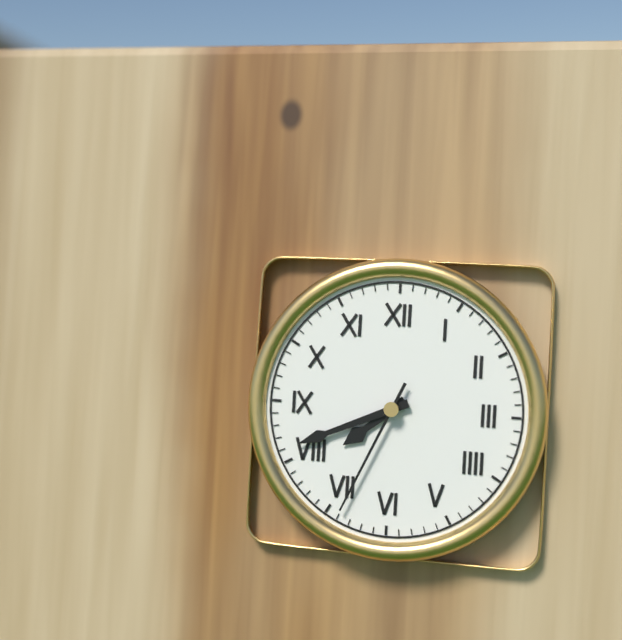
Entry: 7:41:34
